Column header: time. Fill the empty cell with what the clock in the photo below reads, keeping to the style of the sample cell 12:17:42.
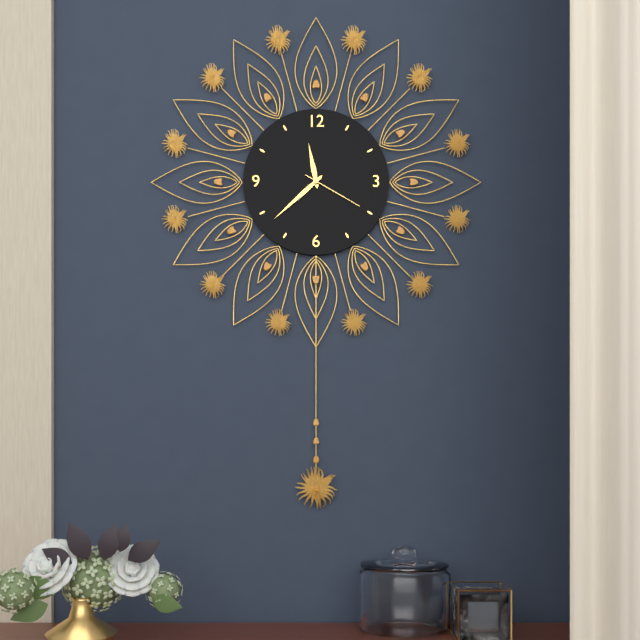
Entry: 11:38:20
